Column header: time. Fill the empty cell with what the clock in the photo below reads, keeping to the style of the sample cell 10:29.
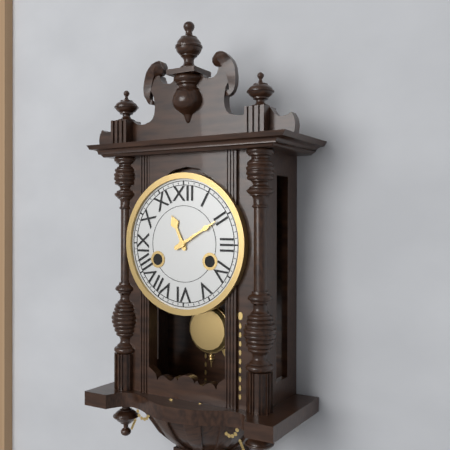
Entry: 11:10
